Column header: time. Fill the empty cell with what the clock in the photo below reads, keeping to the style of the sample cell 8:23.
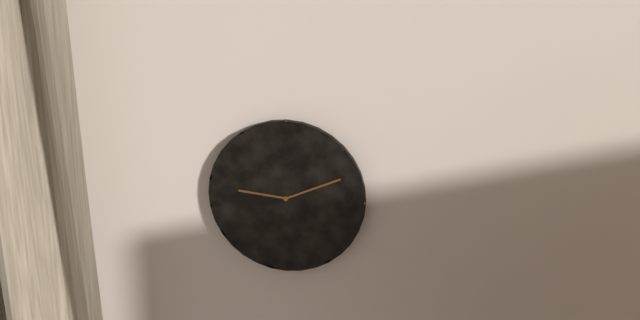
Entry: 9:11
